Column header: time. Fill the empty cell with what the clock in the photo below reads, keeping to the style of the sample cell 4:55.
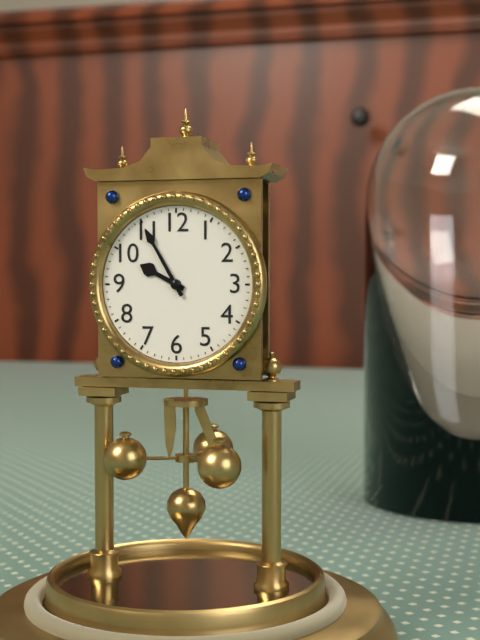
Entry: 9:55
